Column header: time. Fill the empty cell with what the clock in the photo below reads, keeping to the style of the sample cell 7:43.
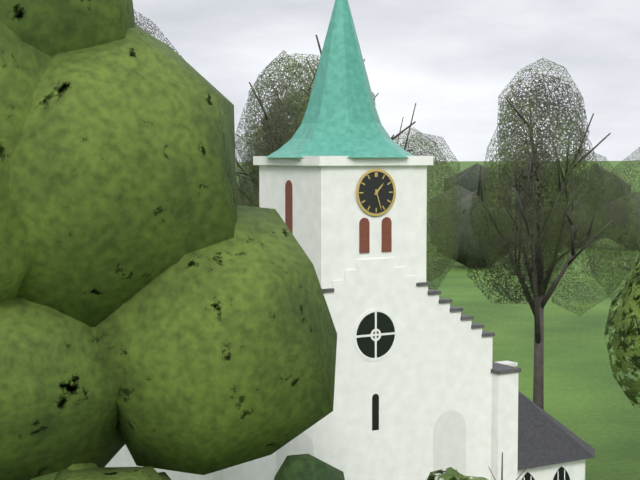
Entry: 1:27
